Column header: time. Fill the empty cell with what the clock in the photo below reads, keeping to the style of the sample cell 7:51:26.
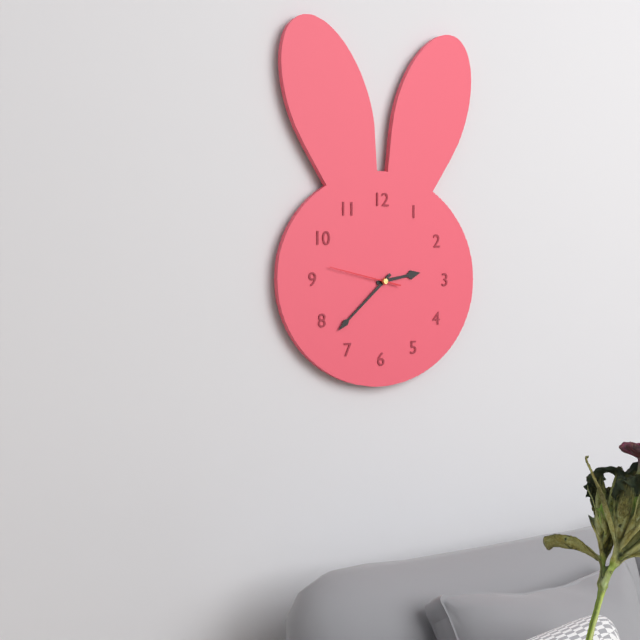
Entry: 2:38:47
